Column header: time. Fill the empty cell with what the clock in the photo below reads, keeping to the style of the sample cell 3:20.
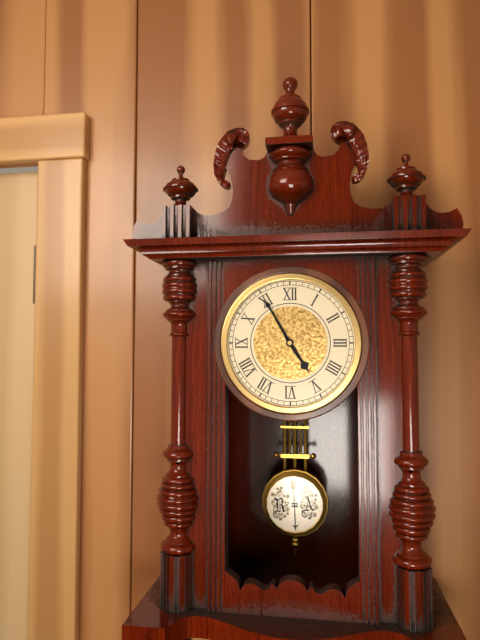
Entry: 4:55
